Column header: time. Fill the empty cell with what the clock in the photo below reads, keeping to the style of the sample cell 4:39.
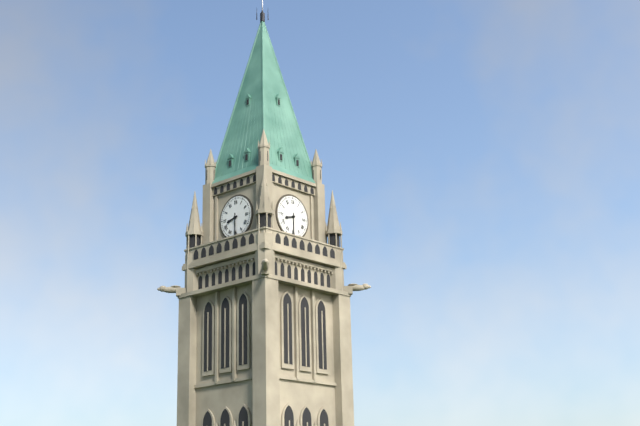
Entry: 8:30
